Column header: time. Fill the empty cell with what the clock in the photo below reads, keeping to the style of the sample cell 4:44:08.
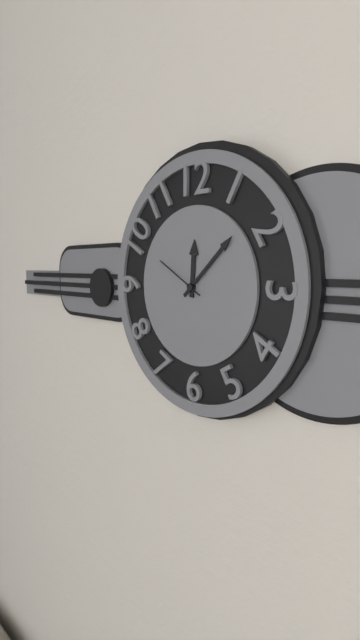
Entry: 12:08:50
